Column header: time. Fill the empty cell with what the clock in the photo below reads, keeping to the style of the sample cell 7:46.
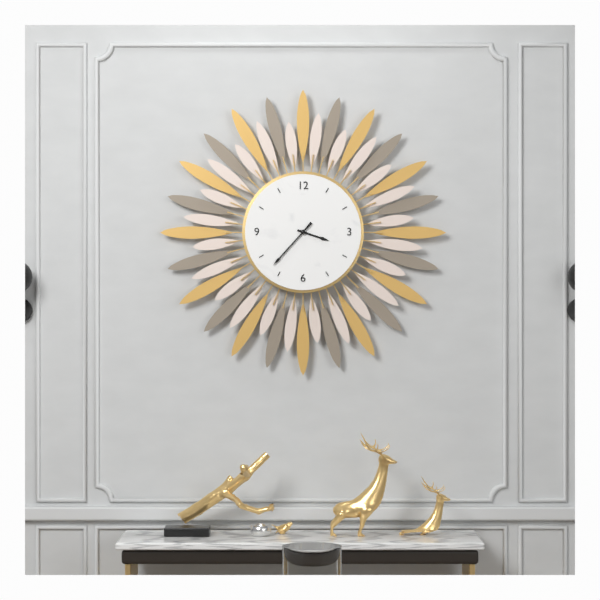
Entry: 3:37
